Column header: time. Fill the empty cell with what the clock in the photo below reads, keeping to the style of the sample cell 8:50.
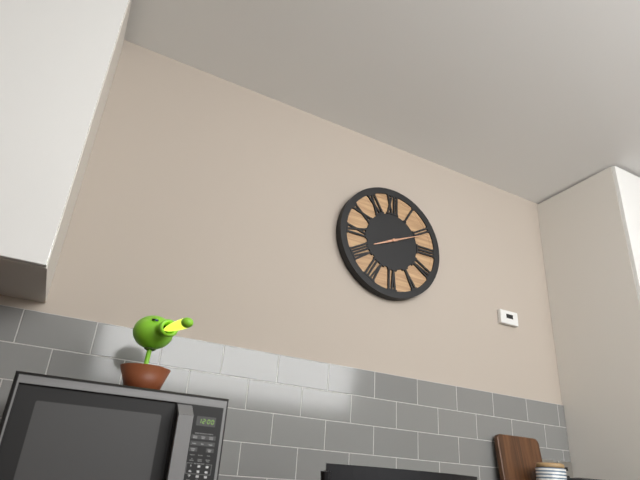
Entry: 8:11
